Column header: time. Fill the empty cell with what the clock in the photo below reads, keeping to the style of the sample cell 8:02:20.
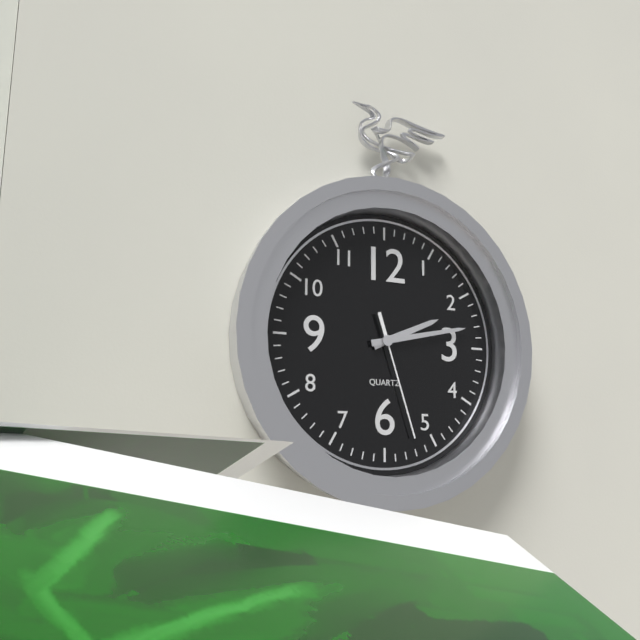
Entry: 2:13:27
